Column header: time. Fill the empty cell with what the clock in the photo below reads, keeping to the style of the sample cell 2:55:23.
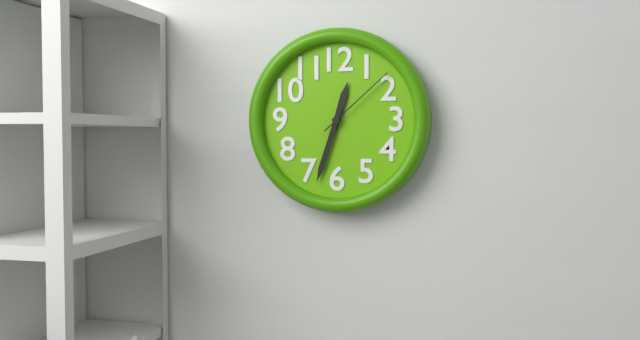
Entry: 12:33:08
